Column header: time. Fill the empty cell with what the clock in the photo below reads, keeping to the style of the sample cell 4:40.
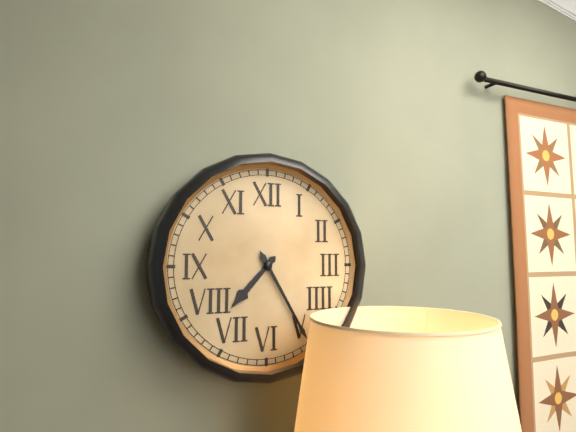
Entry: 7:25
